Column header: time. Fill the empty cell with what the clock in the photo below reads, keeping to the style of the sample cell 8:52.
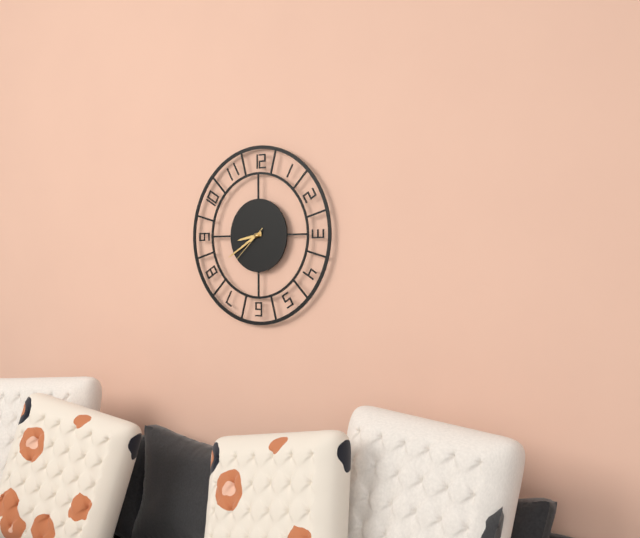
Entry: 8:40
